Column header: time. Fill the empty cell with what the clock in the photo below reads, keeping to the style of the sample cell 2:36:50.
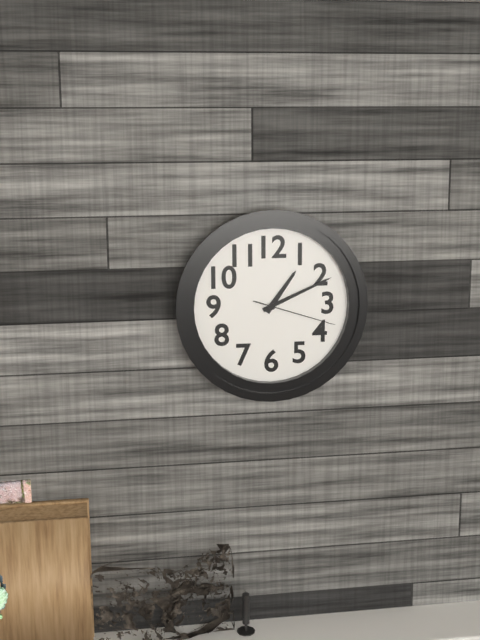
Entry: 1:11:18
